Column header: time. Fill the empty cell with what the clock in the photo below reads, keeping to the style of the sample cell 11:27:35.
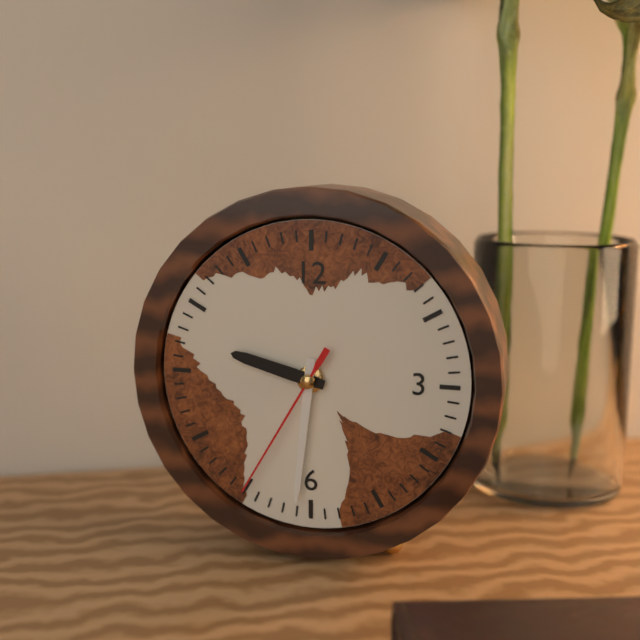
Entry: 9:31:35
